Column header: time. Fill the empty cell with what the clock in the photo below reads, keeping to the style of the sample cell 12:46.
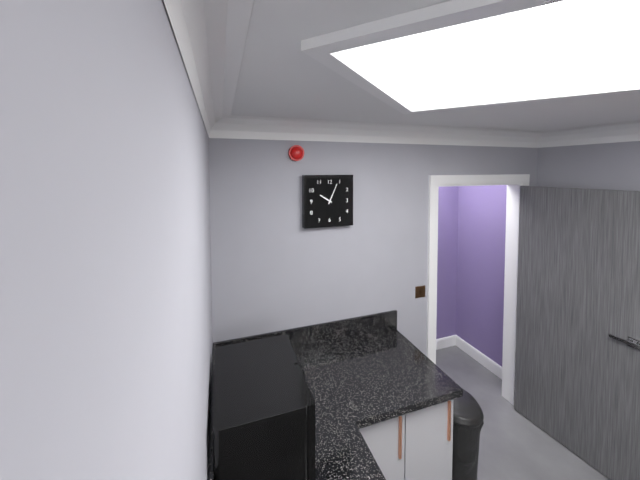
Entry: 10:04
